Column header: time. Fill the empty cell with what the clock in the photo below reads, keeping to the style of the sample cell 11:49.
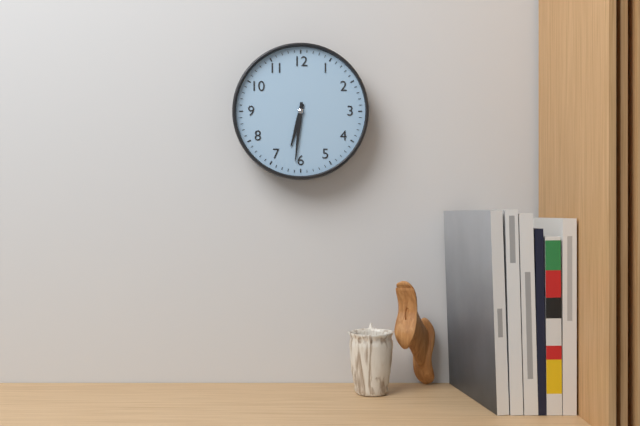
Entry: 6:31
